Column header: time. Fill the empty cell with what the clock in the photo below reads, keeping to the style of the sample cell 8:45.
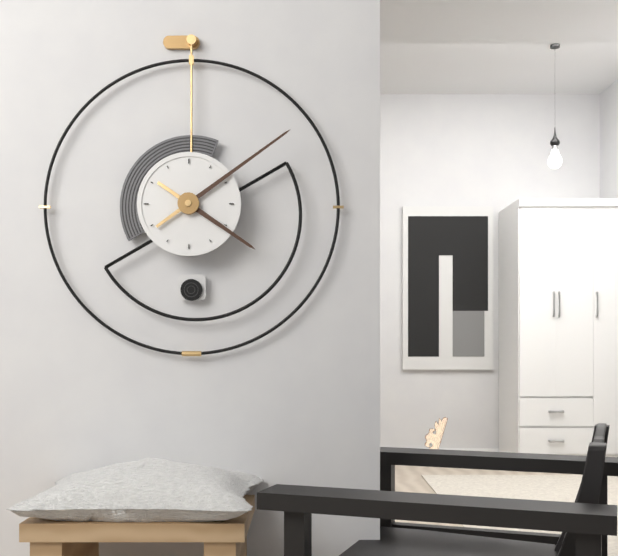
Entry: 4:09
